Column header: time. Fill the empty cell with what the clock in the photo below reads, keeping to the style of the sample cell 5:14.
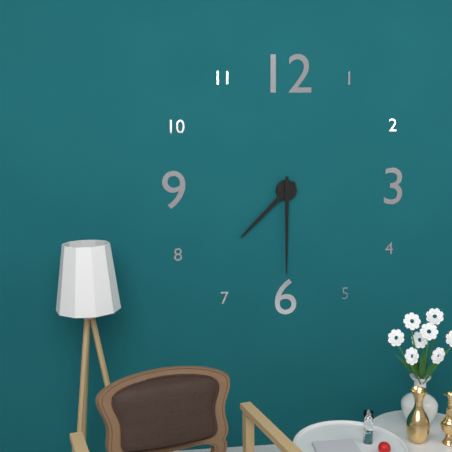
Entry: 7:30
